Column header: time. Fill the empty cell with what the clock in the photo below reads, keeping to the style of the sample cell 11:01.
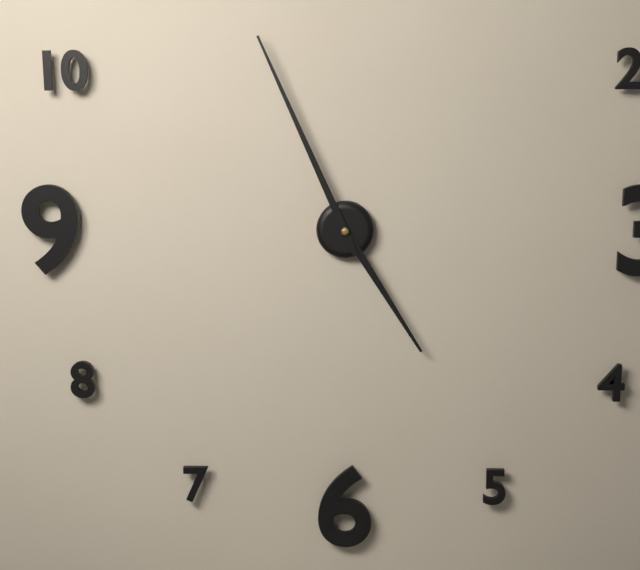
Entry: 4:56
